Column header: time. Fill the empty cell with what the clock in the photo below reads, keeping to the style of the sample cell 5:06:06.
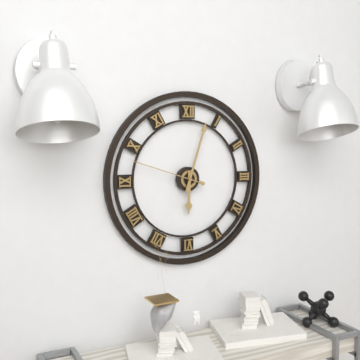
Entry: 6:03:48
